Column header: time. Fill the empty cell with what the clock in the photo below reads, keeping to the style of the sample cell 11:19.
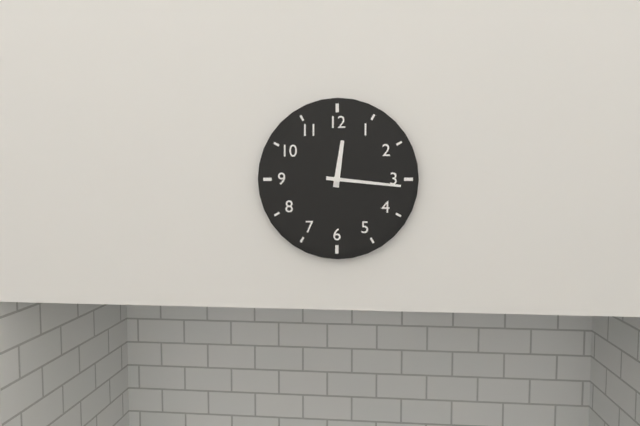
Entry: 12:16
